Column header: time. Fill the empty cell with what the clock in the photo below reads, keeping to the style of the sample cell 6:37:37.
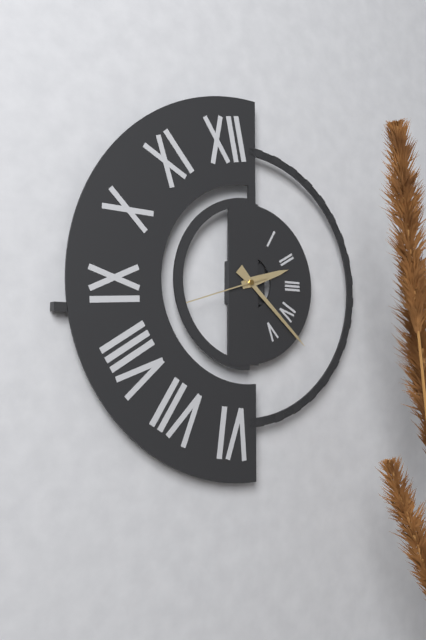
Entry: 2:22:42
